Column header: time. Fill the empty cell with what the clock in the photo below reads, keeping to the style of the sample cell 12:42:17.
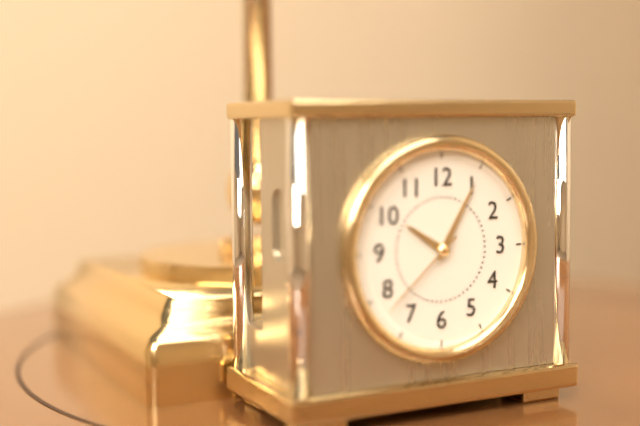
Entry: 10:05:38
